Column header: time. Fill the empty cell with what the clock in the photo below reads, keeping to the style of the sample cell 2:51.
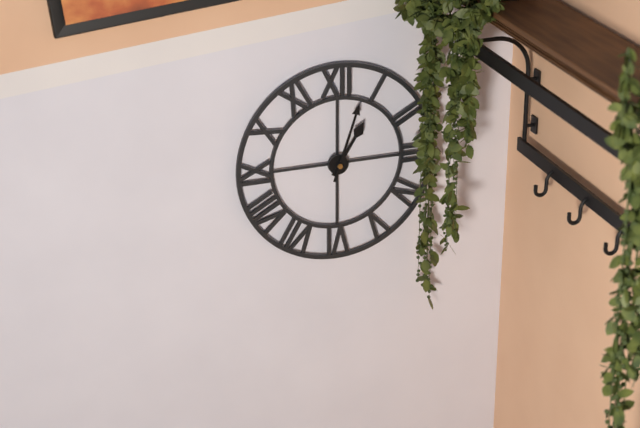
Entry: 1:03
